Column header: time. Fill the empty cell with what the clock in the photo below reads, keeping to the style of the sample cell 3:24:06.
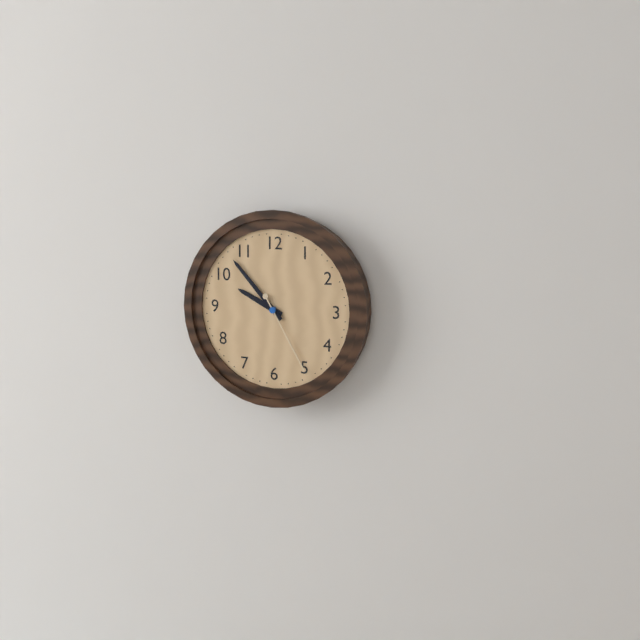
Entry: 9:53:25
